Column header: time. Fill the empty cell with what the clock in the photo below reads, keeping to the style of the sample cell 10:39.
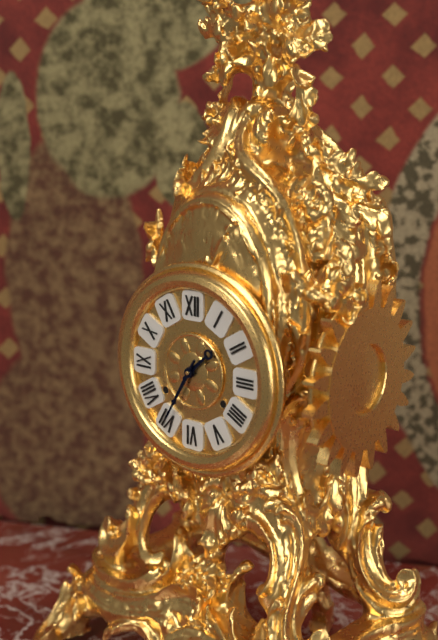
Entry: 1:35
